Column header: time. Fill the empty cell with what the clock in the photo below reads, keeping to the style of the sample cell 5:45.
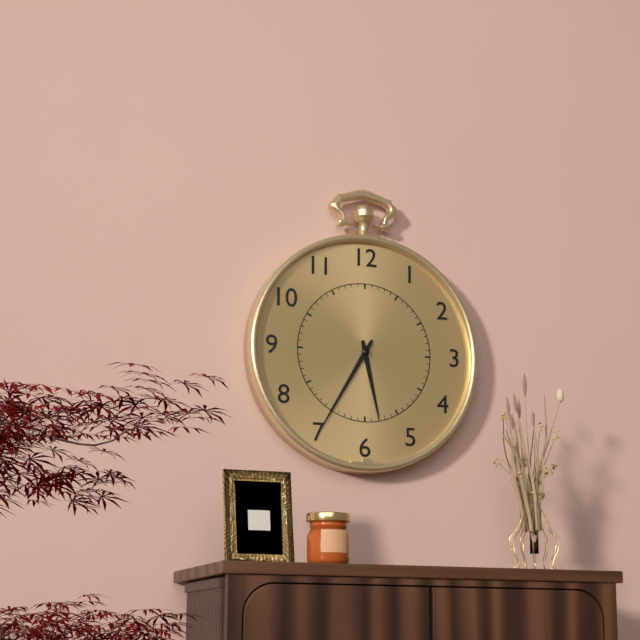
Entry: 5:35
